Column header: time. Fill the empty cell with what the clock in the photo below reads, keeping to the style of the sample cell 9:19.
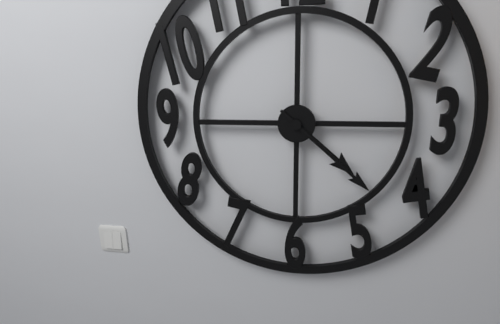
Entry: 4:22
